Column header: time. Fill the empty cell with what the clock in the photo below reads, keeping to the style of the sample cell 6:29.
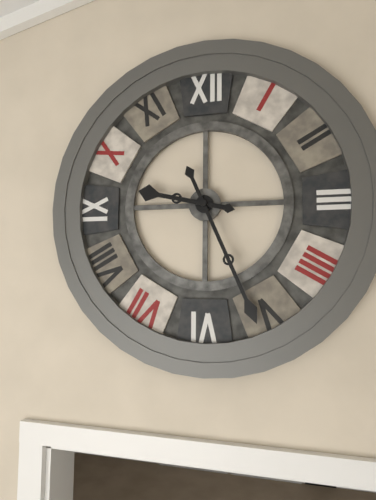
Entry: 9:26
